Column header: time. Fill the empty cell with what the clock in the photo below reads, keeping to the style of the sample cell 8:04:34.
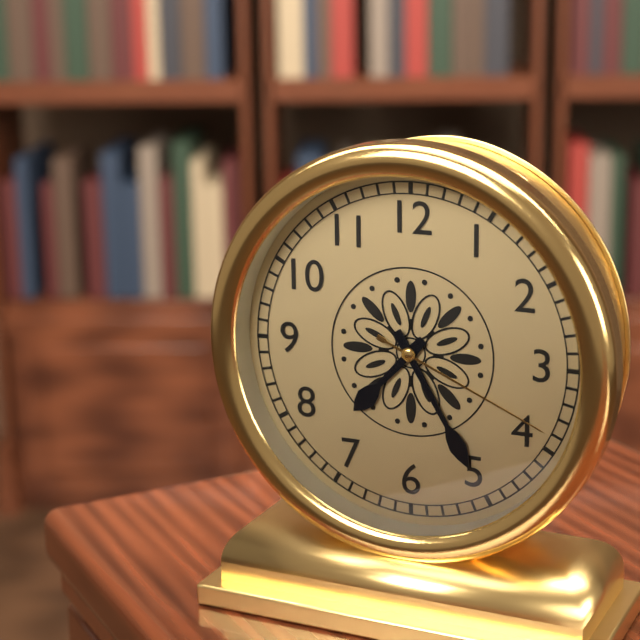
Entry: 7:25:19
